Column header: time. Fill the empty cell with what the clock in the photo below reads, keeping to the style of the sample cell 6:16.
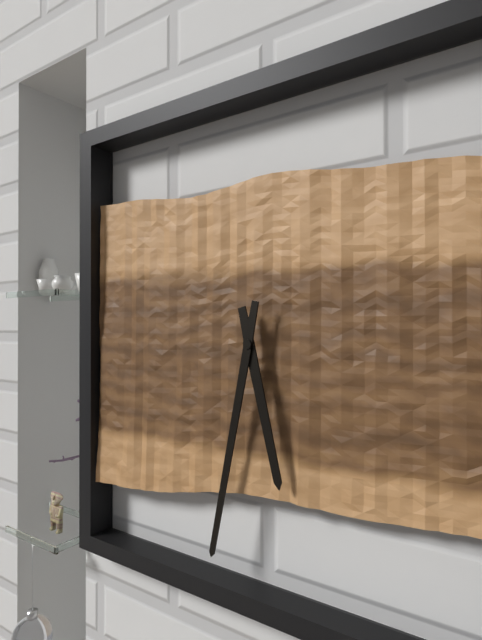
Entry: 5:32
